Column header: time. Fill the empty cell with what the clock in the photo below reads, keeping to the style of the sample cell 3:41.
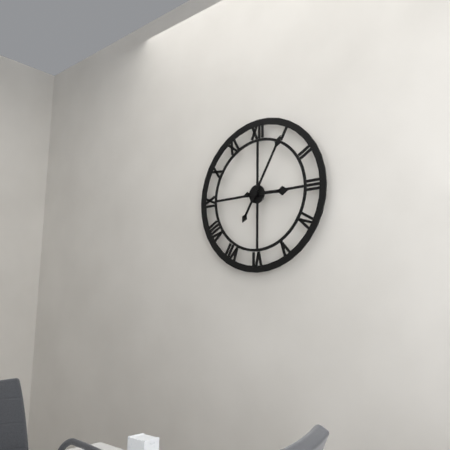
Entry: 3:05
